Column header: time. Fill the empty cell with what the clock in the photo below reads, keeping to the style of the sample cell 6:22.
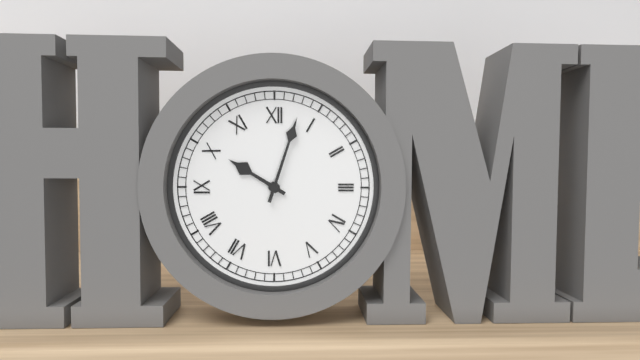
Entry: 10:03
